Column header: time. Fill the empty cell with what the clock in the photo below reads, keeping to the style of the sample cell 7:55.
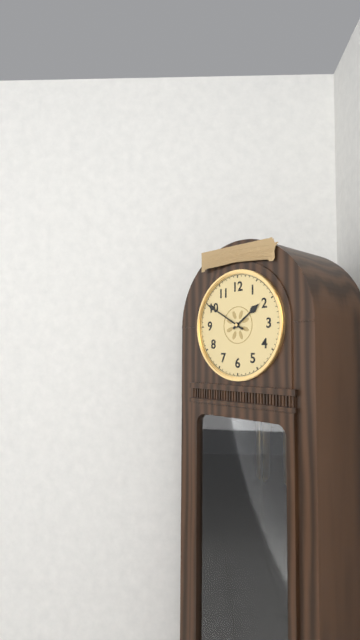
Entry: 1:50
